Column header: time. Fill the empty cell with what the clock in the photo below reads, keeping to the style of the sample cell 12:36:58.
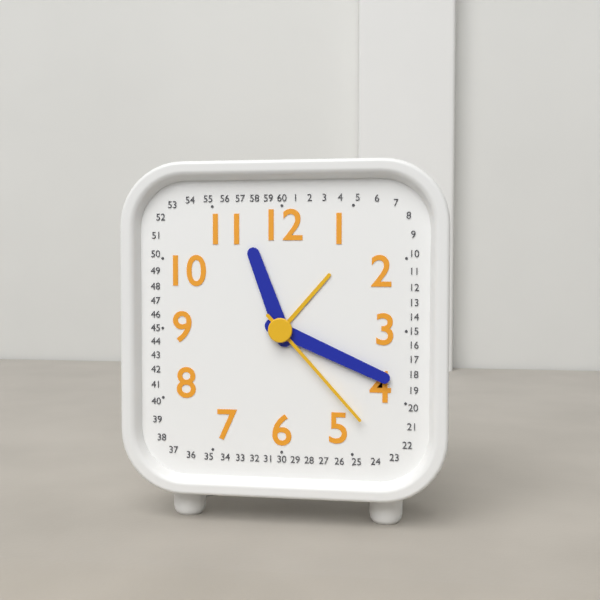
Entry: 11:19:23
